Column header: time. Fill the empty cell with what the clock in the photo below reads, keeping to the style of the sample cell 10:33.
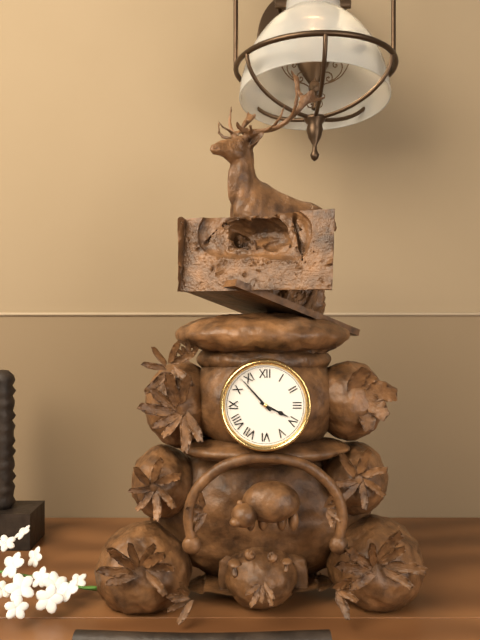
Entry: 3:53
